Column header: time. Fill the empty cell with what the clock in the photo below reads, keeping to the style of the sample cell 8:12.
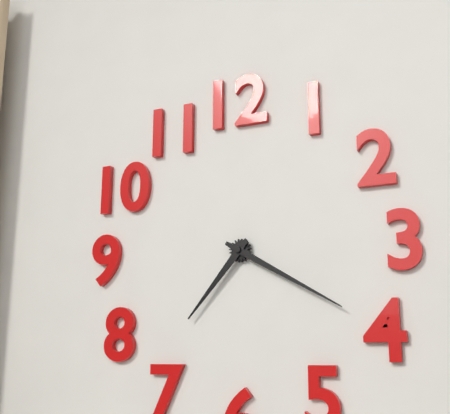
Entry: 7:20
